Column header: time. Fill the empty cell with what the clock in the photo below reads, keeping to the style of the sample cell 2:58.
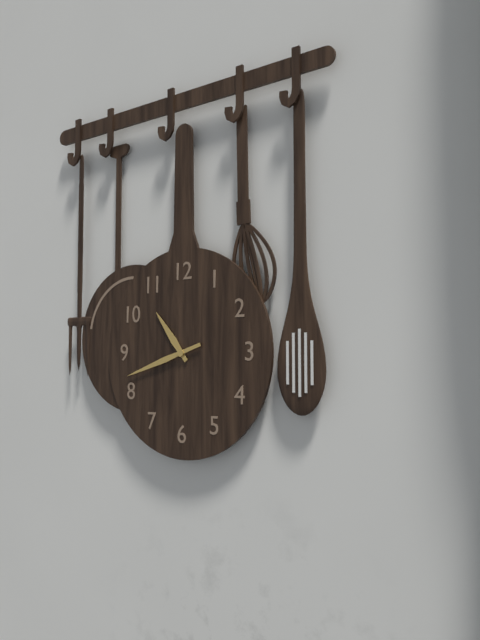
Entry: 10:42
